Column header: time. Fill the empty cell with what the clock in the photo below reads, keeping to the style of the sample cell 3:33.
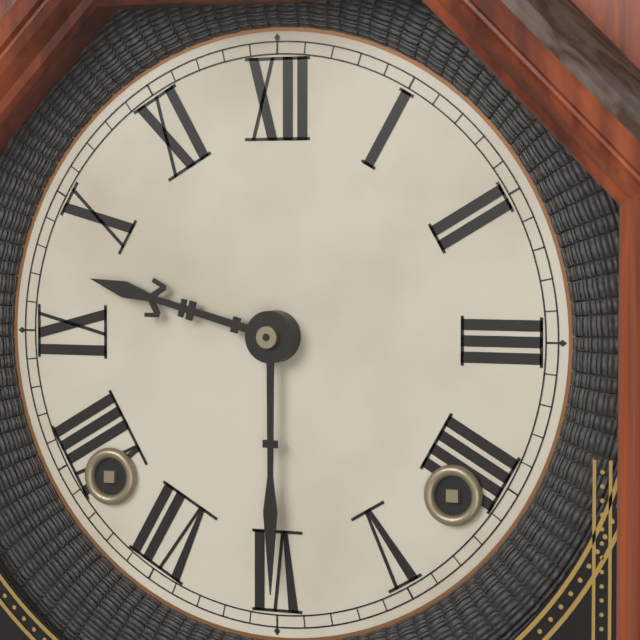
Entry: 9:30
